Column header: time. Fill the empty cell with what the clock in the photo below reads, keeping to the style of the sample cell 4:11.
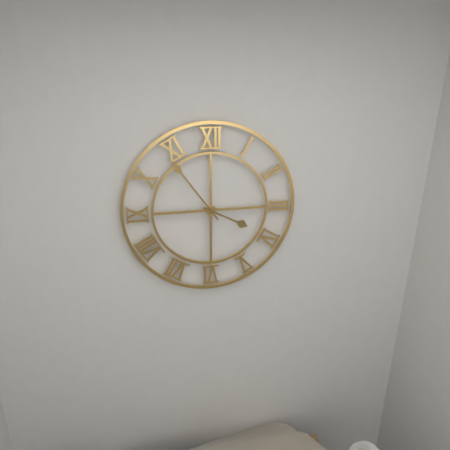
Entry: 3:54
